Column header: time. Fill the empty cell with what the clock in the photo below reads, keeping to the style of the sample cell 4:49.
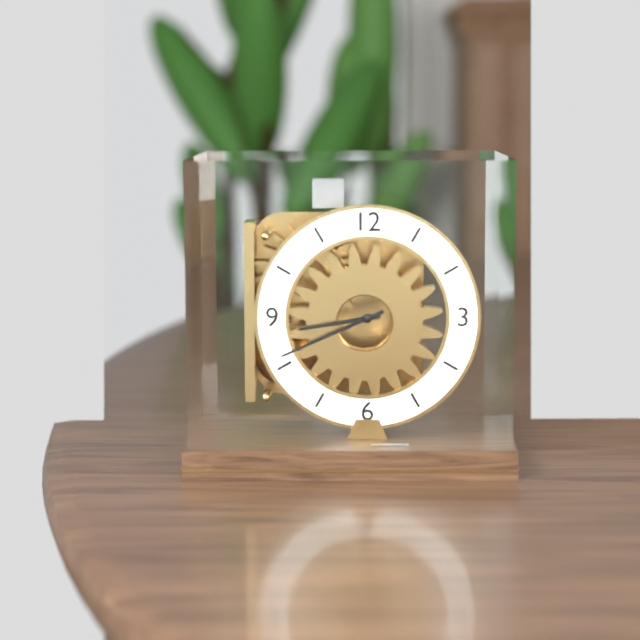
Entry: 8:41
